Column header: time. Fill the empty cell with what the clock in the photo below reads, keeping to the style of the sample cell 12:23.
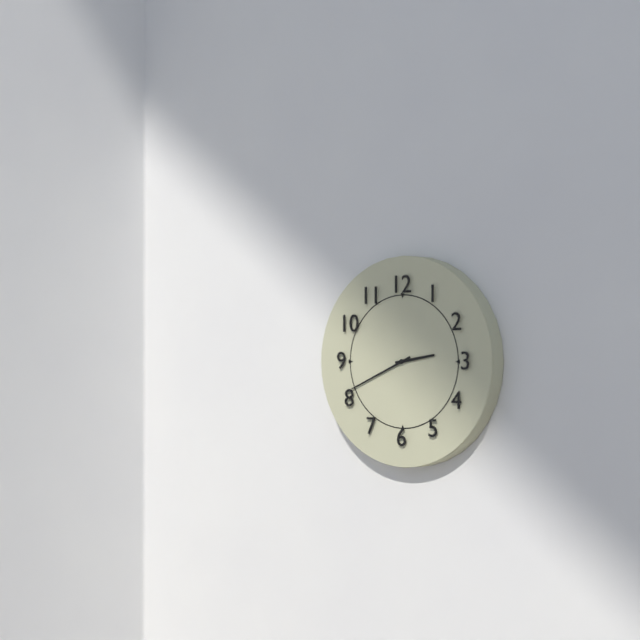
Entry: 2:41
